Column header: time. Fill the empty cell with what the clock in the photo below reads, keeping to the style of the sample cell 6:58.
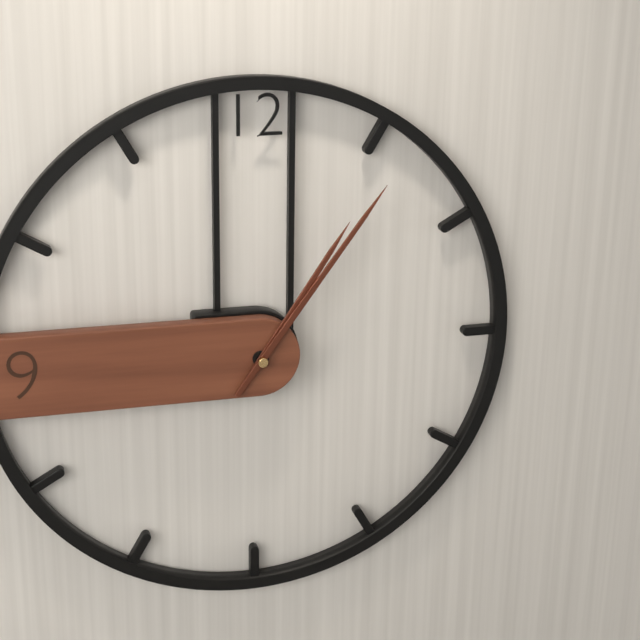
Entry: 1:06
